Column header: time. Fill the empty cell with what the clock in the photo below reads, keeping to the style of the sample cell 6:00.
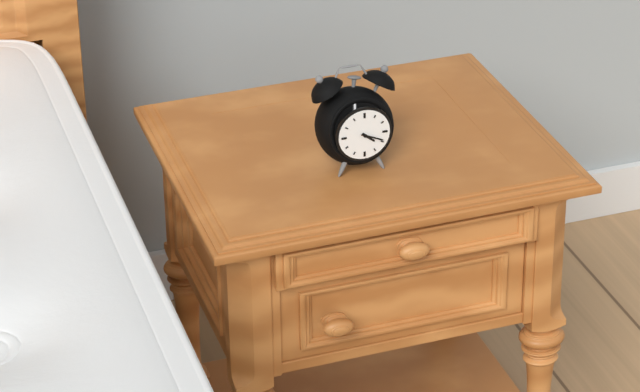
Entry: 4:19
